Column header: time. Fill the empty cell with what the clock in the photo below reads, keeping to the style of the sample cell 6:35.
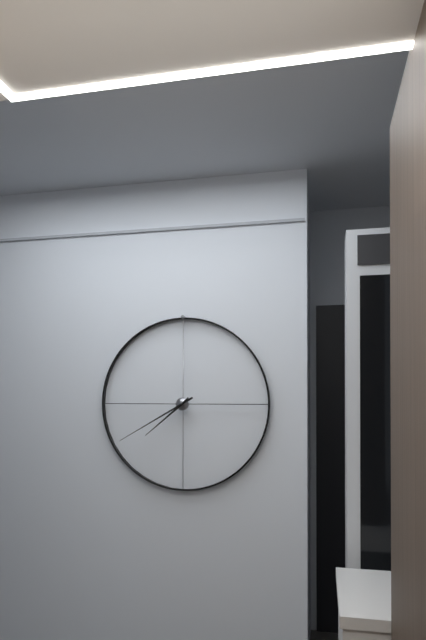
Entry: 7:40
